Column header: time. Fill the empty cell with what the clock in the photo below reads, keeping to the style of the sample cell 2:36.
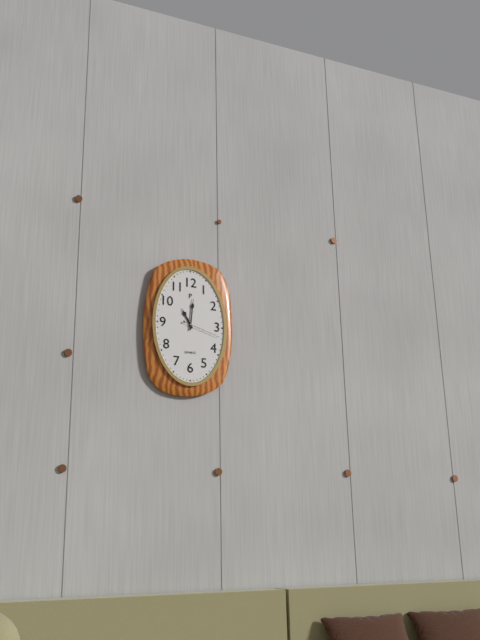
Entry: 11:01
